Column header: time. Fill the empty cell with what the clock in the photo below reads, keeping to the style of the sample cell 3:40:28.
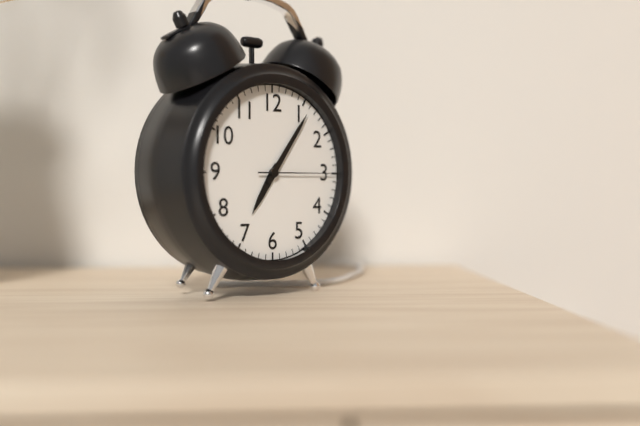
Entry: 7:06:15
